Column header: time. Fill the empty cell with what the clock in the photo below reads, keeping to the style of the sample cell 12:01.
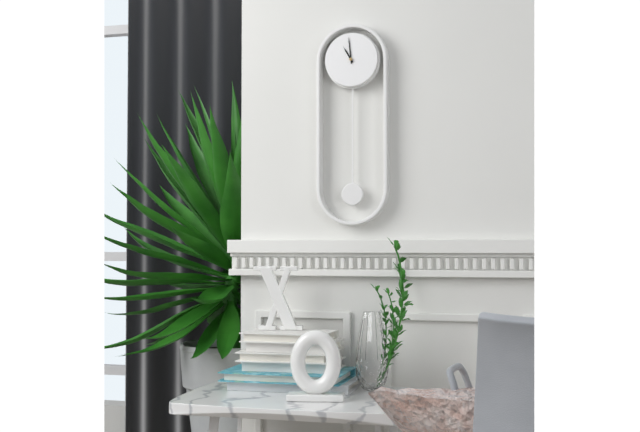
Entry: 10:59
